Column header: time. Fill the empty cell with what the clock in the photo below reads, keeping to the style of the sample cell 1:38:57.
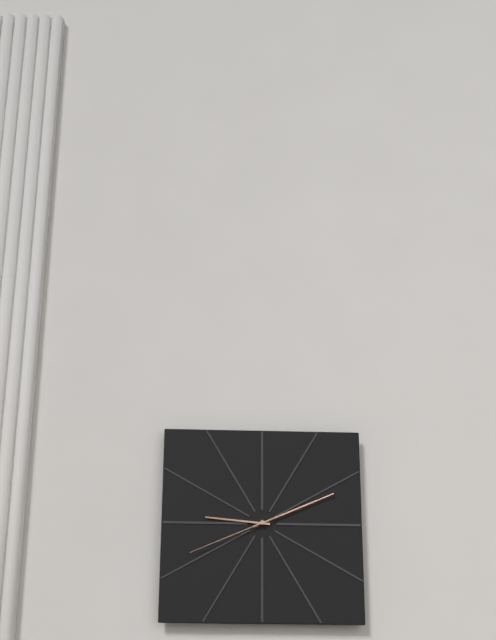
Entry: 9:11:41
